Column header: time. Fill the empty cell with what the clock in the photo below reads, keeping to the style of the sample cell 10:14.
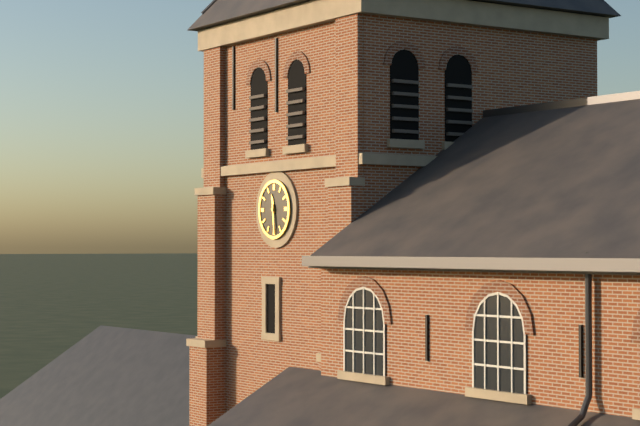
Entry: 11:29
